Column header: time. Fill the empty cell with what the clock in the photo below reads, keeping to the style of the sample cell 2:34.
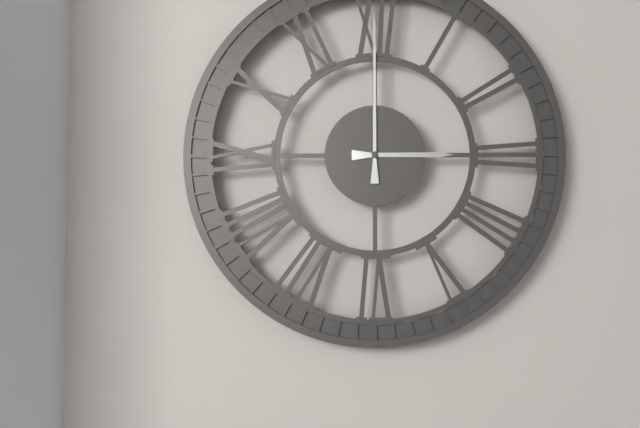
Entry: 3:00
